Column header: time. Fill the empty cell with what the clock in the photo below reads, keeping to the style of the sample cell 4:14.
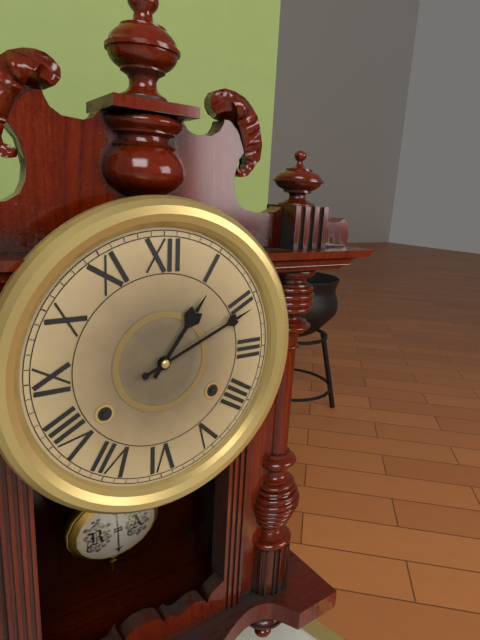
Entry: 1:11
